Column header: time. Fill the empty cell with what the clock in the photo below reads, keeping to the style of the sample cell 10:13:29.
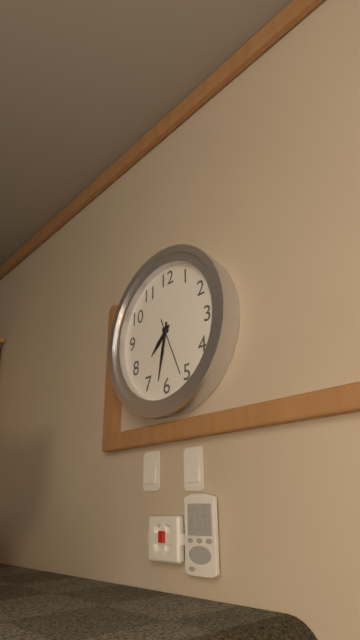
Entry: 7:32:26
